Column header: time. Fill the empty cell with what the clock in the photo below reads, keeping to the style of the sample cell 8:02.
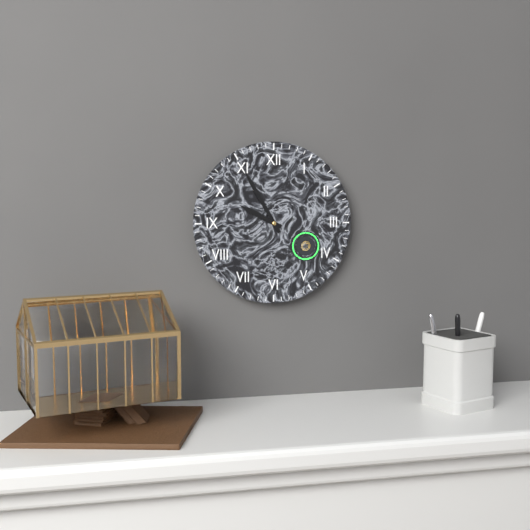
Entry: 9:55
